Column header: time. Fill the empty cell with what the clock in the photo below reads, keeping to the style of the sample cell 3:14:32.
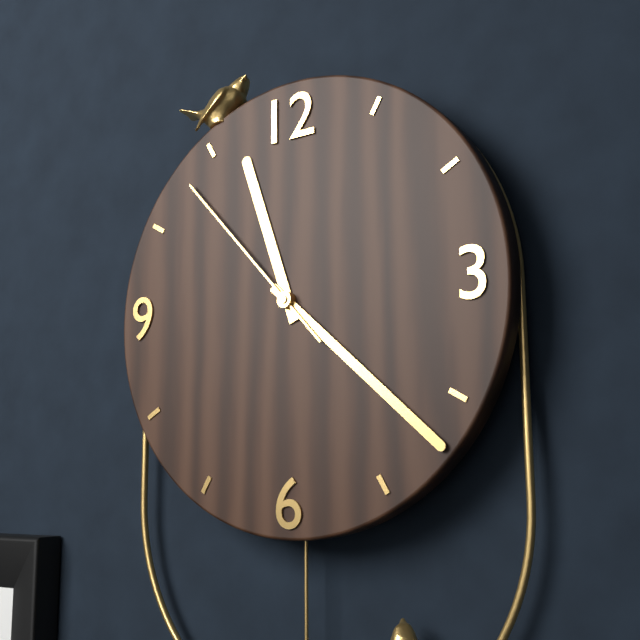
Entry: 11:22:53
